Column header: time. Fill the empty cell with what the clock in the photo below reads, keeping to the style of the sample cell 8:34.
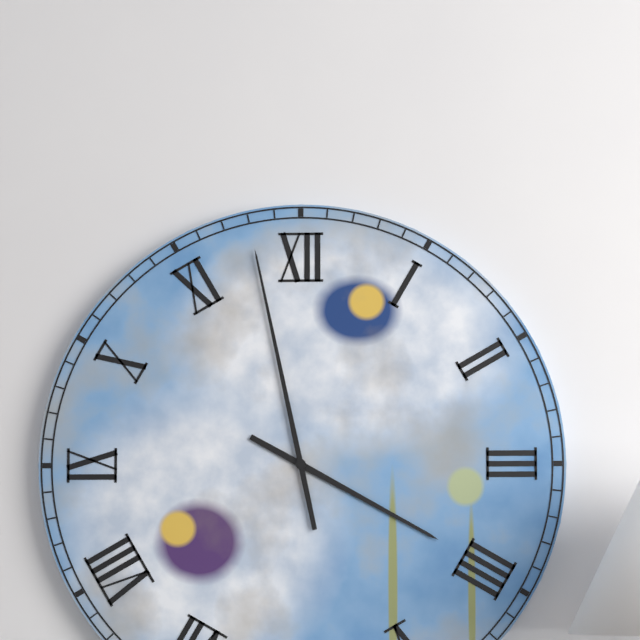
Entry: 3:58
